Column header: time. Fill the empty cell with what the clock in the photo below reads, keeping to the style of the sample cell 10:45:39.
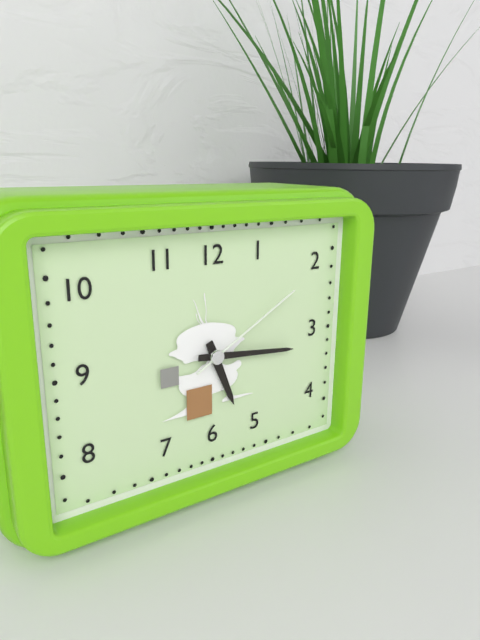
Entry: 5:16:10
